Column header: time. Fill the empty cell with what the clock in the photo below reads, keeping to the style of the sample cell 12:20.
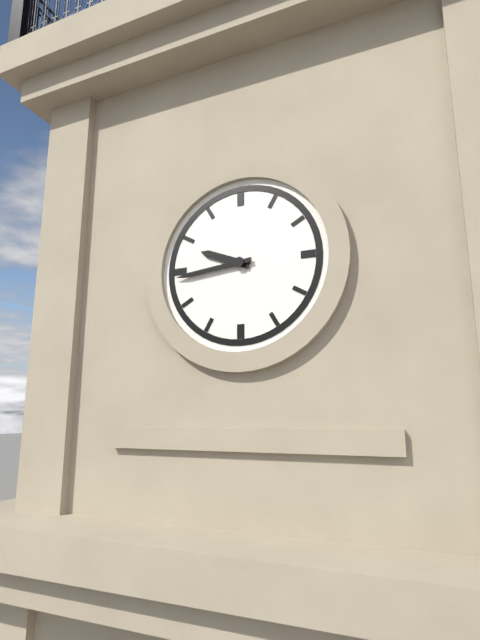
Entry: 9:44
